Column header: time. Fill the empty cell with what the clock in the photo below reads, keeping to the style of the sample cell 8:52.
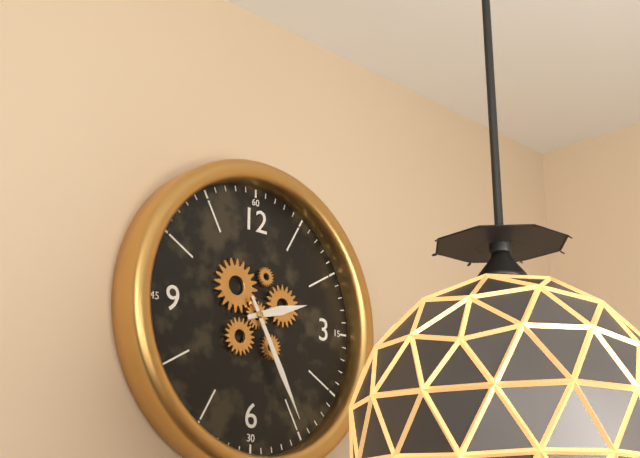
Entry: 2:25
